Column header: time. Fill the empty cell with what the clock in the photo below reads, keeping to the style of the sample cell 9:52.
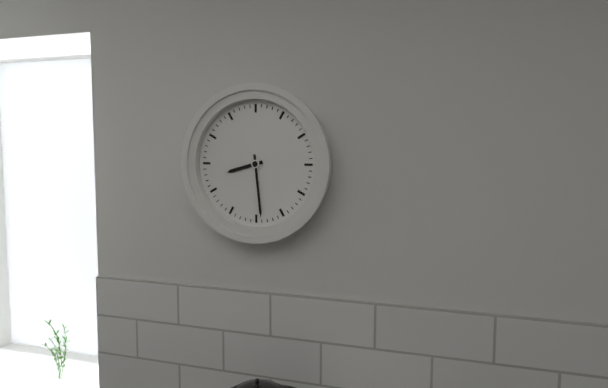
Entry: 8:29
